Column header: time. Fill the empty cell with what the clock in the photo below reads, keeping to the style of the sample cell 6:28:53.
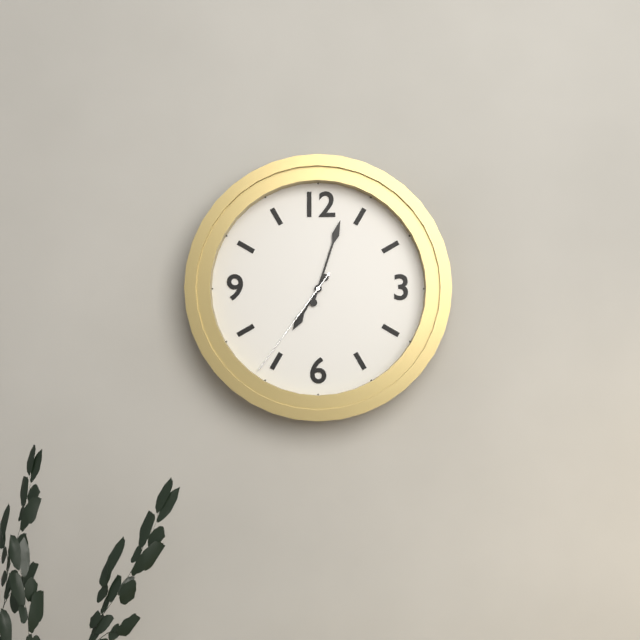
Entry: 7:03:36
